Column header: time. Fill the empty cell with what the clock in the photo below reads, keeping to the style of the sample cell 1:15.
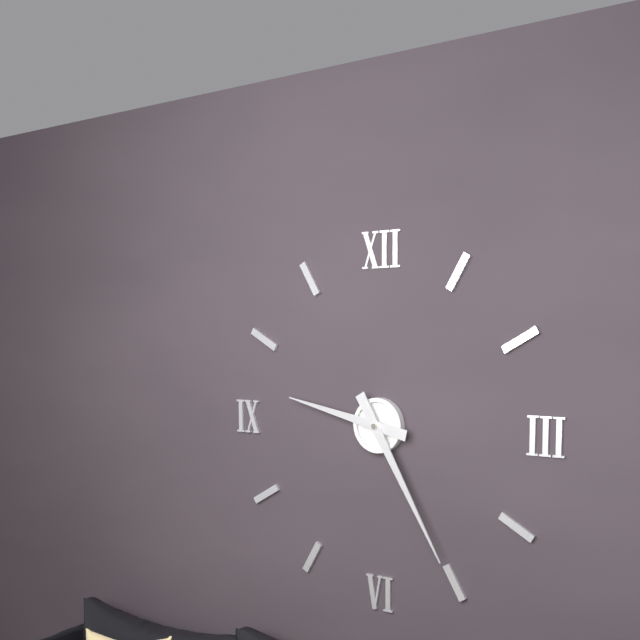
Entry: 9:25
